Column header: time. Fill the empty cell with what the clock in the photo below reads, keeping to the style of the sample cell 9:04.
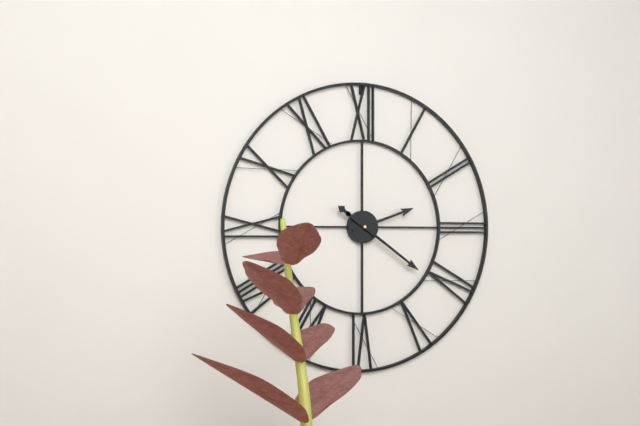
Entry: 2:21
